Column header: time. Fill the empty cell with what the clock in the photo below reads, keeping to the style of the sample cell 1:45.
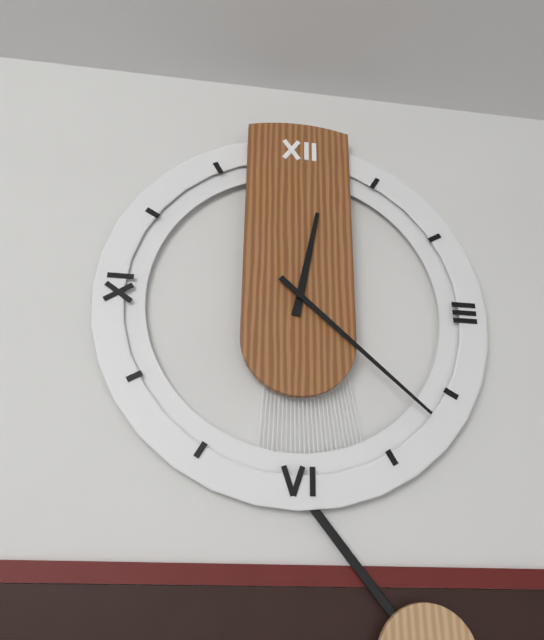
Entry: 12:22
